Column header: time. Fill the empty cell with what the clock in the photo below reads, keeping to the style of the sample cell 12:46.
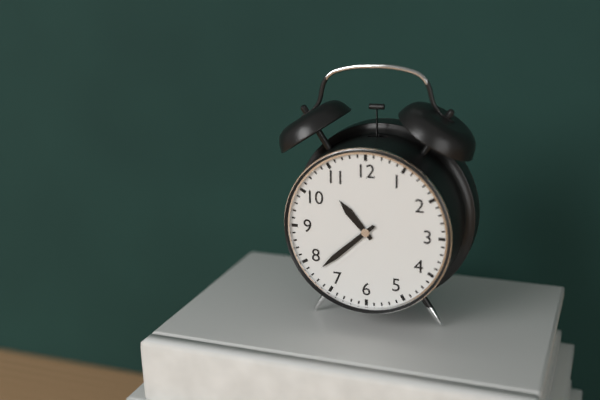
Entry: 10:38
